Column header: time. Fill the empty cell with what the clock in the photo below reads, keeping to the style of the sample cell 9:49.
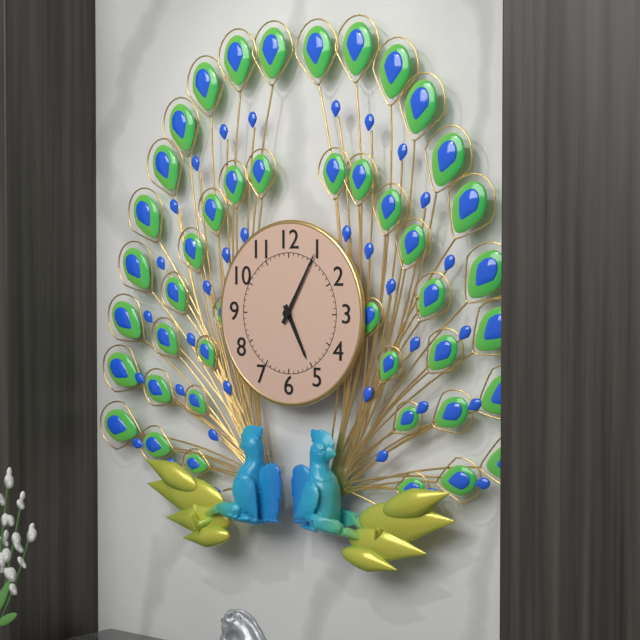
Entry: 5:05
